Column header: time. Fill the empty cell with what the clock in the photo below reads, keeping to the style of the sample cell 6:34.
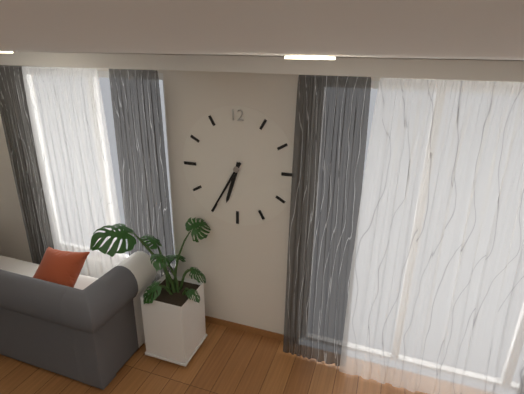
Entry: 6:35
